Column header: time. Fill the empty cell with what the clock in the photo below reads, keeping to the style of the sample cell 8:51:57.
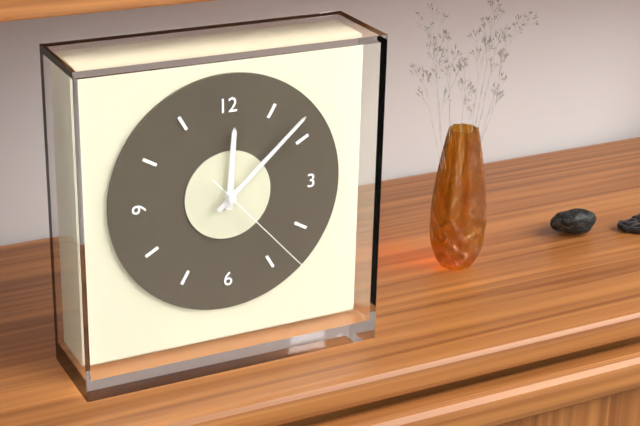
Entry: 12:08:23
